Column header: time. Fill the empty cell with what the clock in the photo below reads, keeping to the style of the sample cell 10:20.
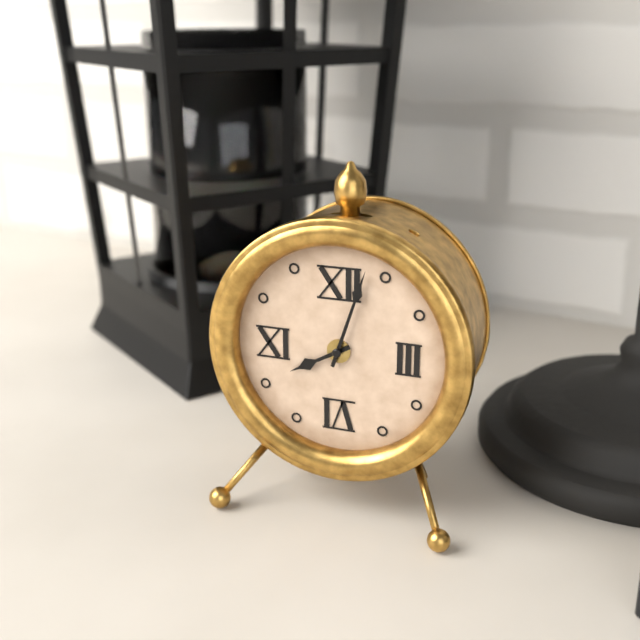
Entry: 8:03
